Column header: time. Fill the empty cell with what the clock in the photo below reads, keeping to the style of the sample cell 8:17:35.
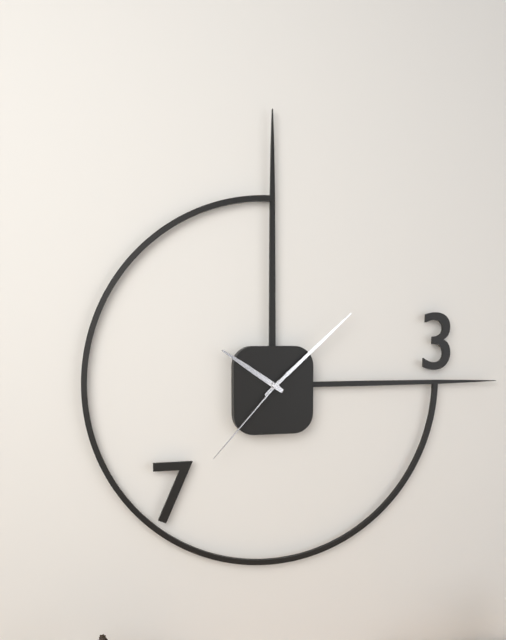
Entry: 10:08:37
